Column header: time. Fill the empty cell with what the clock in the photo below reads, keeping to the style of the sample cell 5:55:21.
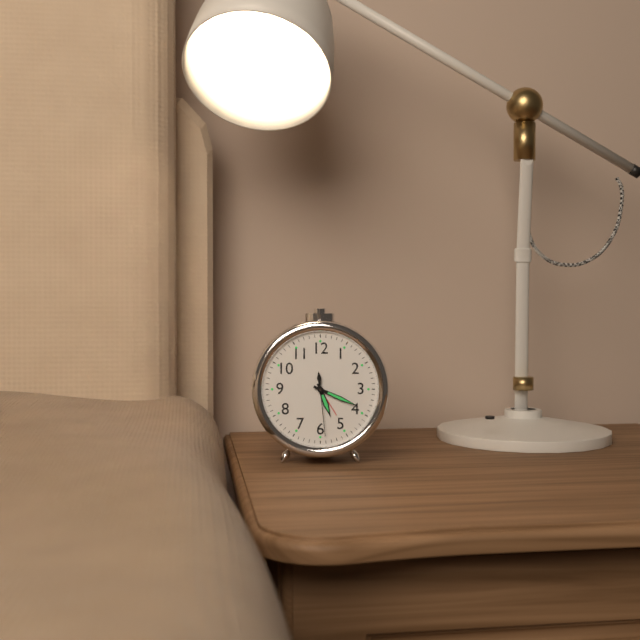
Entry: 5:19:29
